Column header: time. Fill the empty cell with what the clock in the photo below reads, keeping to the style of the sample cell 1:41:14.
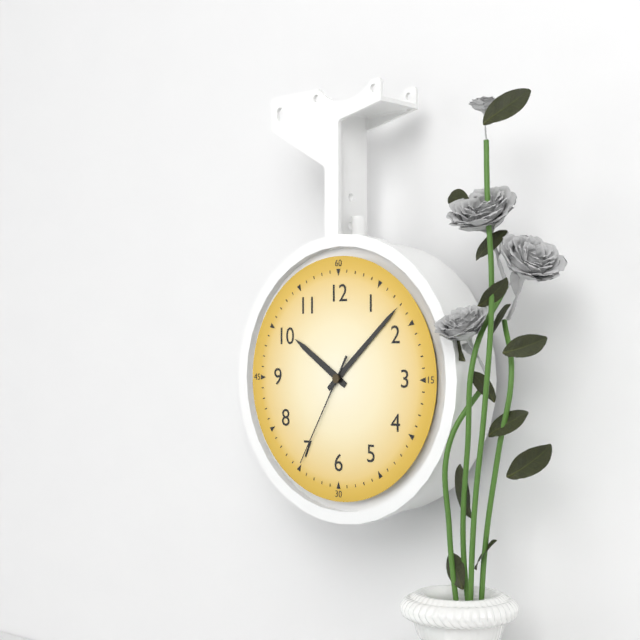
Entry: 10:08:35
